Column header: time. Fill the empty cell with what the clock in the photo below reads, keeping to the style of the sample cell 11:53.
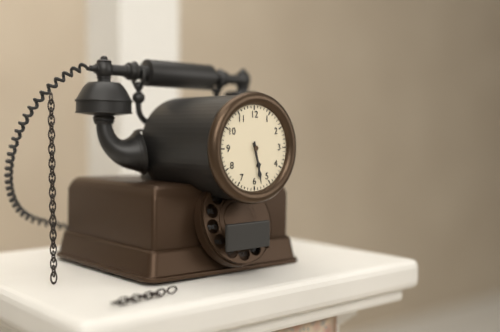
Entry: 5:28
